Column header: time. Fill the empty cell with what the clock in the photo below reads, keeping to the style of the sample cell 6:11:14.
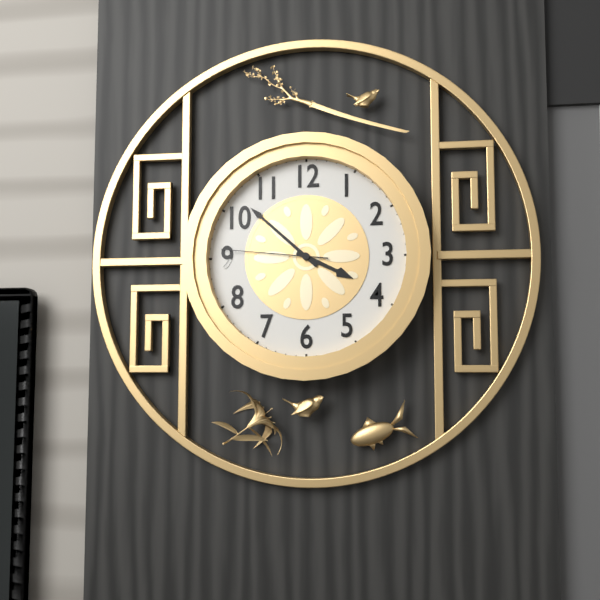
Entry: 3:52:46
